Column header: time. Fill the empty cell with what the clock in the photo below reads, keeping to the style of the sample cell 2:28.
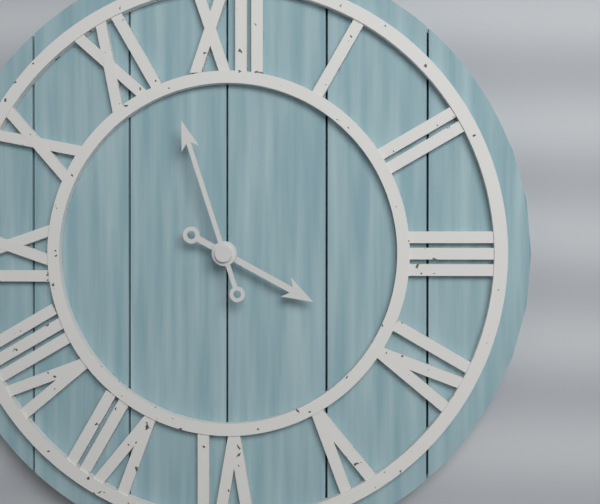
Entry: 3:57
